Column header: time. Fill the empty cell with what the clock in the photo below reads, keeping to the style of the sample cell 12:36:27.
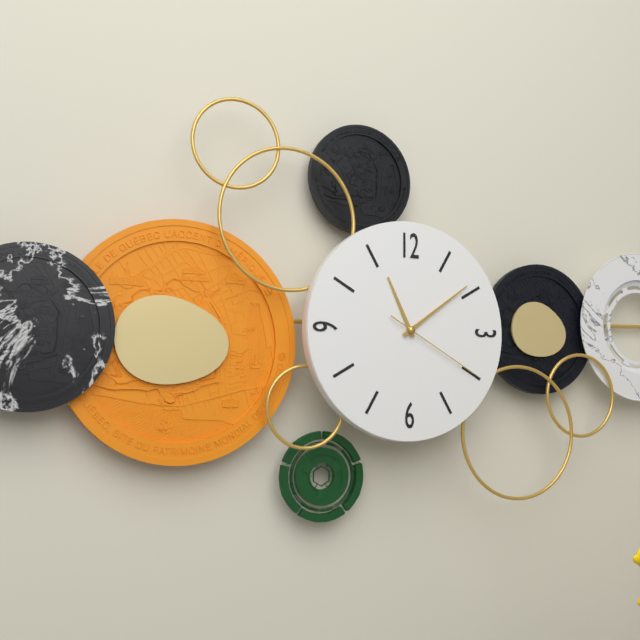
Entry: 11:09:20
